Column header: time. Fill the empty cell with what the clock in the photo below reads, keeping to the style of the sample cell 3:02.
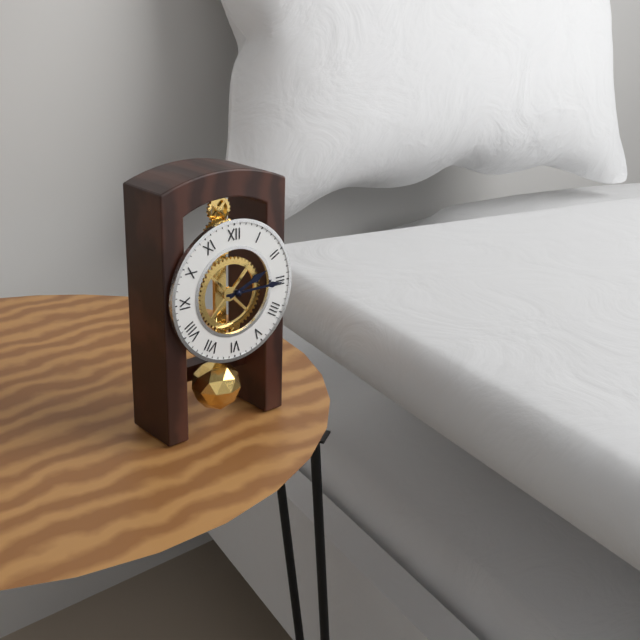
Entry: 2:15
